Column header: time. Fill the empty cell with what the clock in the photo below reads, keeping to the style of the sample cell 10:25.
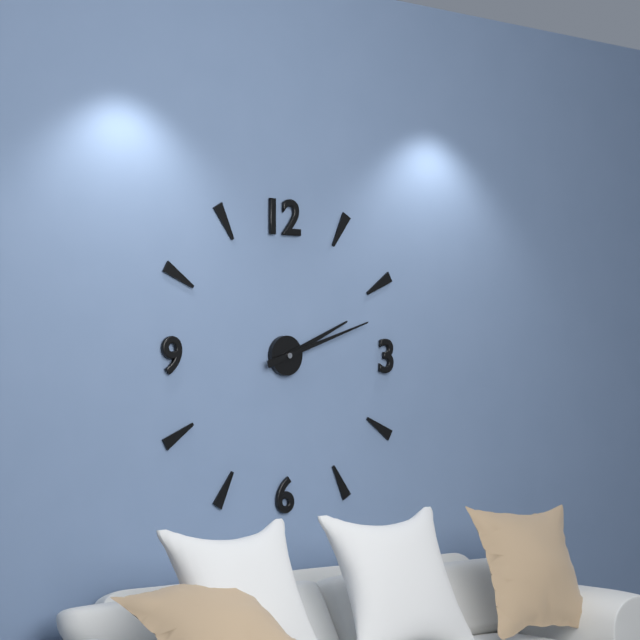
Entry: 2:12
